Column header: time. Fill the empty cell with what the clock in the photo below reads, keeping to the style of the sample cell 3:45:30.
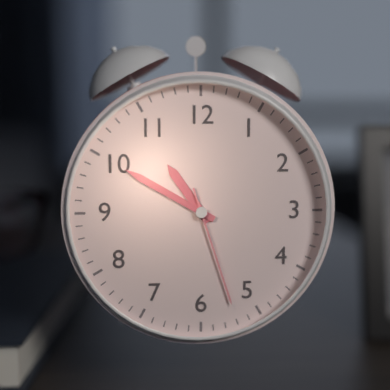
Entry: 10:50:27
